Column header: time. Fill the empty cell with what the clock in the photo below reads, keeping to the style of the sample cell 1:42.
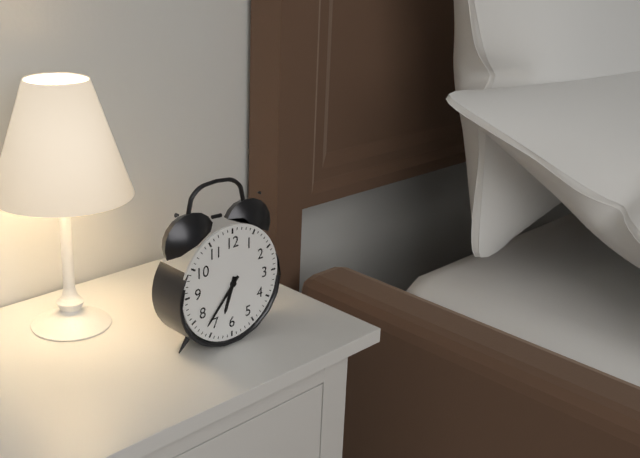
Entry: 6:37
